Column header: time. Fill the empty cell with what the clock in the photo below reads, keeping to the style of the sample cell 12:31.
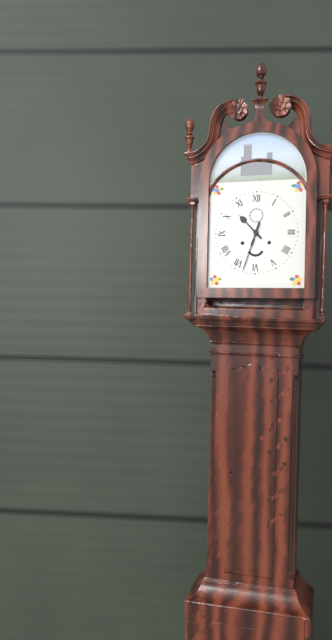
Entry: 10:33
